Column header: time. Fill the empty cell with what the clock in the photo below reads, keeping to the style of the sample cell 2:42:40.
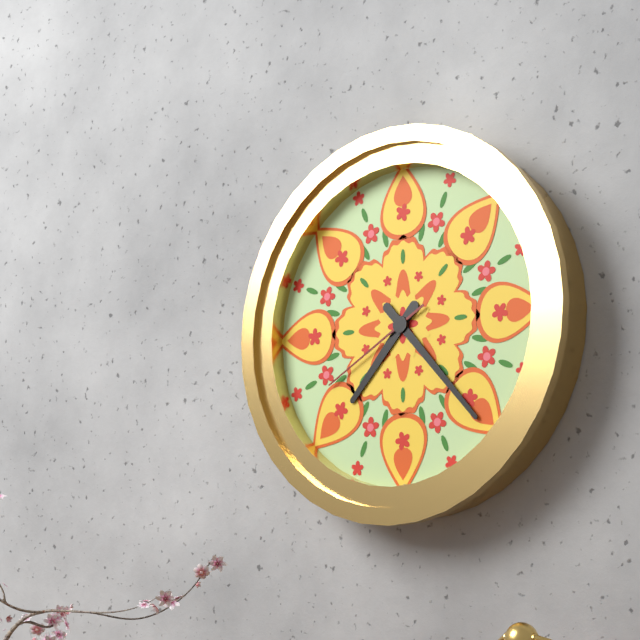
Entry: 7:23:40
